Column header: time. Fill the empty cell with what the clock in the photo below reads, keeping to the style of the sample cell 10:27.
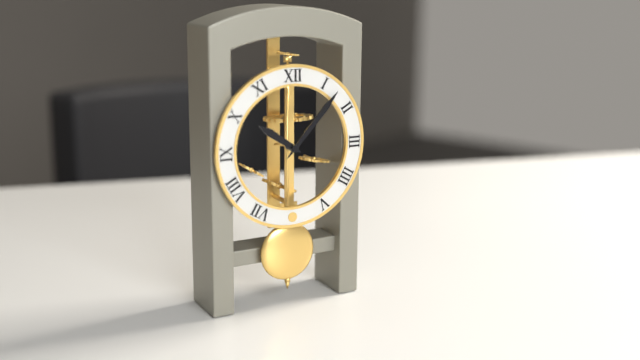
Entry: 10:07
